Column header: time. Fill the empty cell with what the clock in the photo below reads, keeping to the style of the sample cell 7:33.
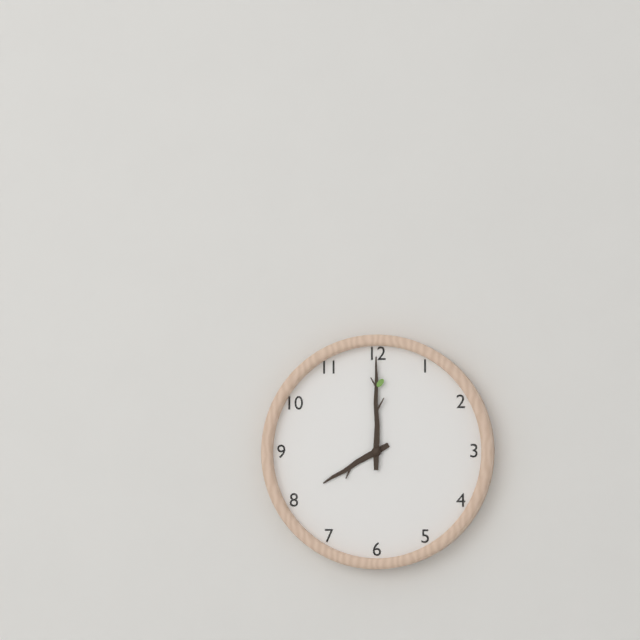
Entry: 8:00
